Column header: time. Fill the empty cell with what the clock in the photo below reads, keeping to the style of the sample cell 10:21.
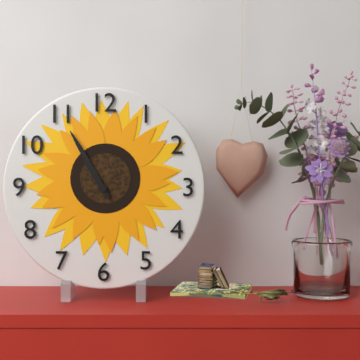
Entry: 10:55
